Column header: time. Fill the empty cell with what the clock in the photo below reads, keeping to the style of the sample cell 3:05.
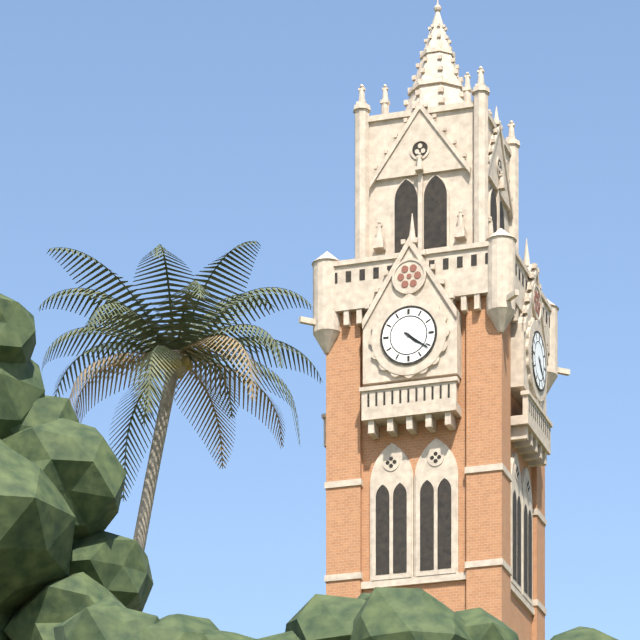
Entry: 4:21
